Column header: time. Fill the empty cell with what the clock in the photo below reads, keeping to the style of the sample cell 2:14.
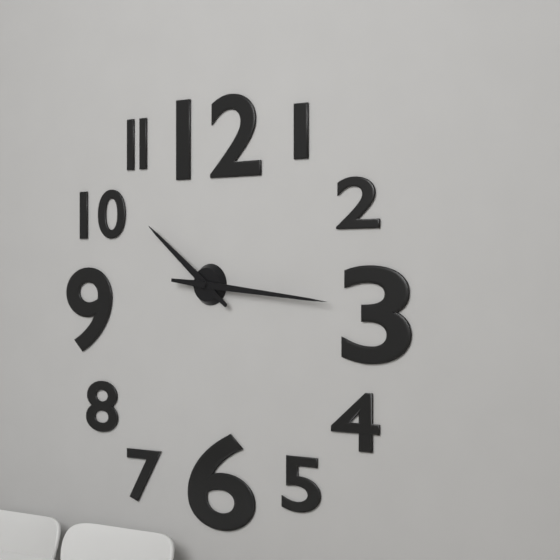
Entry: 10:16
